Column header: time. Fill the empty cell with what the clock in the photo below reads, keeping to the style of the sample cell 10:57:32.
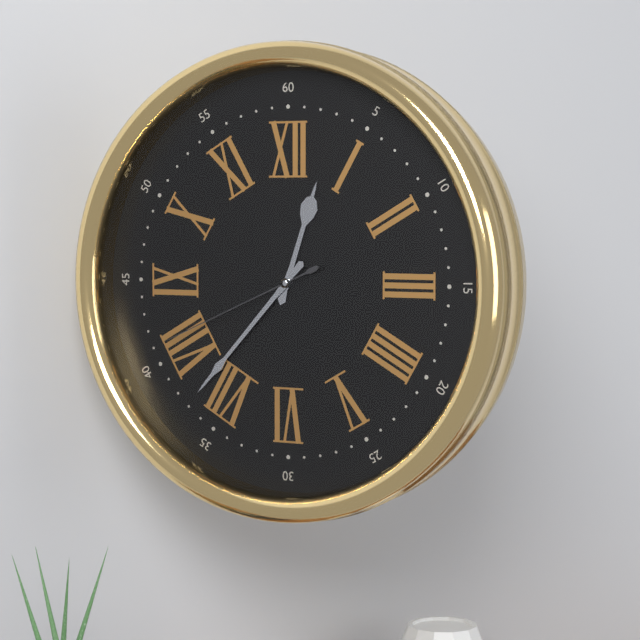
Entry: 12:37:41
